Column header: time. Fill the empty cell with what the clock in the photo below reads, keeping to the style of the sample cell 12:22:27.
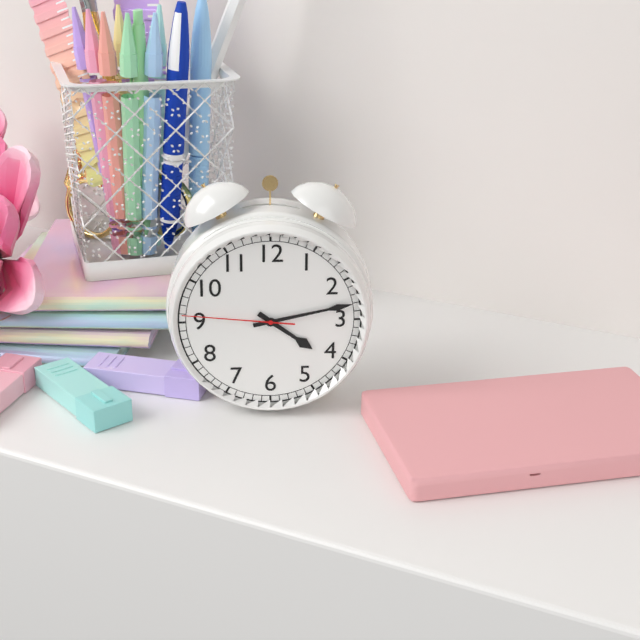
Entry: 4:13:46
